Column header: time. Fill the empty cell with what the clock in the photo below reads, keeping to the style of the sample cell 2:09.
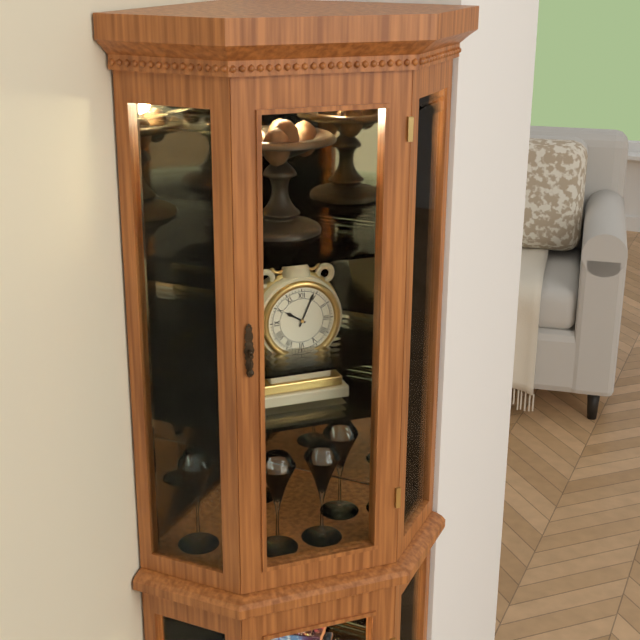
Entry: 10:04
